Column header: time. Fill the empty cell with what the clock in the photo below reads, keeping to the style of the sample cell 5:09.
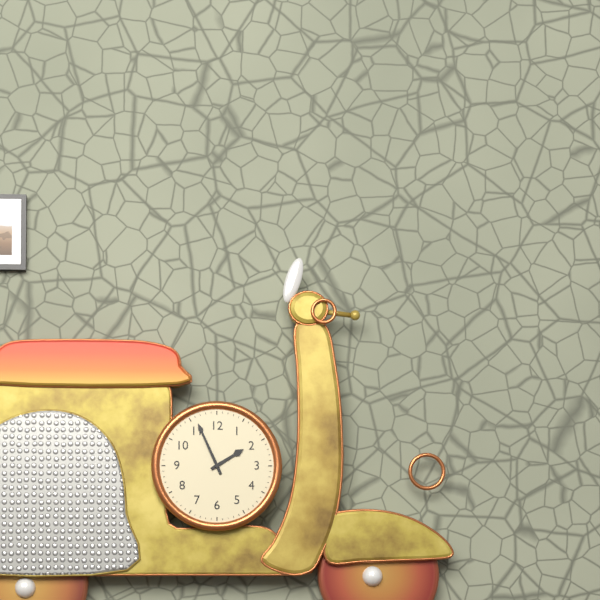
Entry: 1:56
